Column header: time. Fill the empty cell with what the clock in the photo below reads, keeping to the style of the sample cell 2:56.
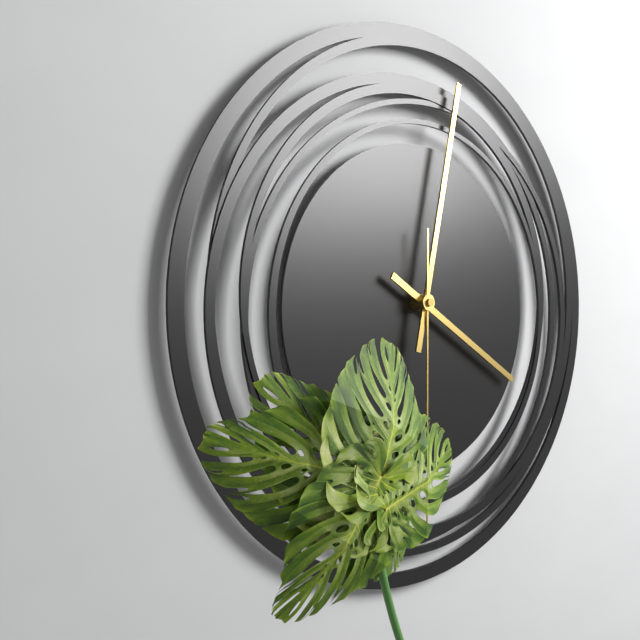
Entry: 4:02
